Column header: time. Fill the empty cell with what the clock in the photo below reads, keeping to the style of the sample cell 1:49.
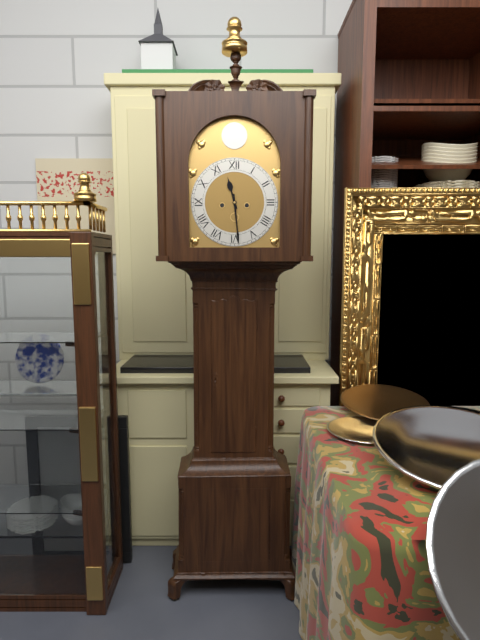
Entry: 11:29
